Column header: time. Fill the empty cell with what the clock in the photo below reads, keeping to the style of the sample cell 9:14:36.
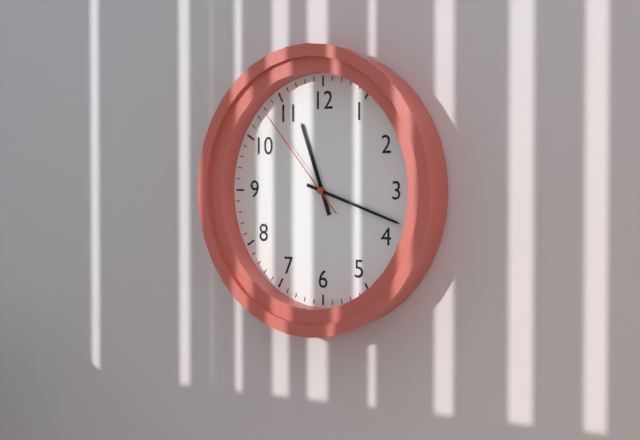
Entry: 11:18:53
